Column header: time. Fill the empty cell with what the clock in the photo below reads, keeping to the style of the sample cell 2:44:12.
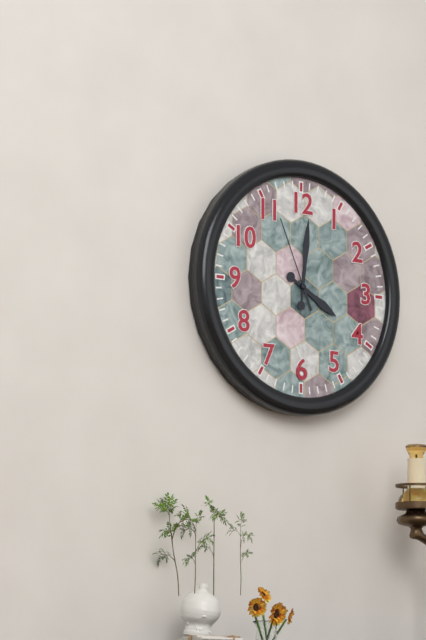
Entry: 4:01:56
